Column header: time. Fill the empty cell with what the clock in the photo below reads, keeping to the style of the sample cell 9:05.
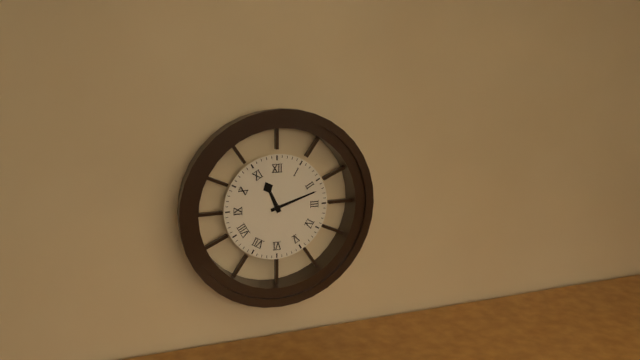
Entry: 11:12
